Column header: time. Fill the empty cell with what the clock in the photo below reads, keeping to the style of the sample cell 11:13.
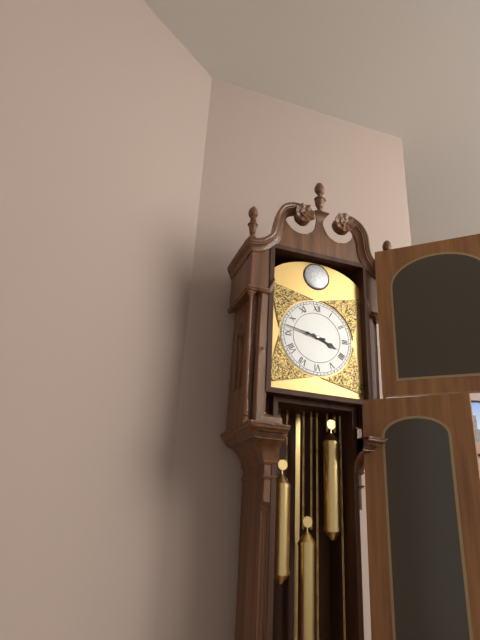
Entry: 3:47
